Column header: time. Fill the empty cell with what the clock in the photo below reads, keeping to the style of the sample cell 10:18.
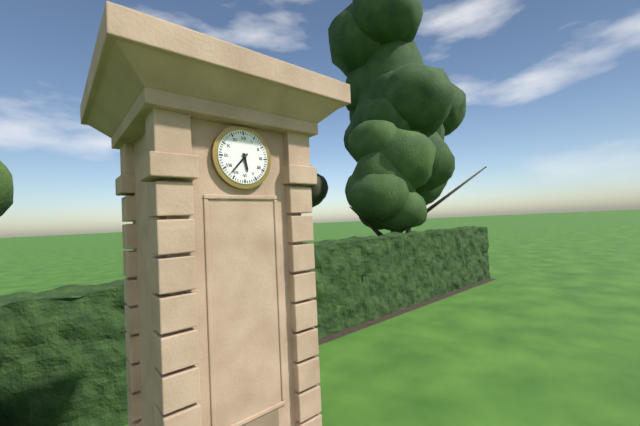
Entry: 5:37
